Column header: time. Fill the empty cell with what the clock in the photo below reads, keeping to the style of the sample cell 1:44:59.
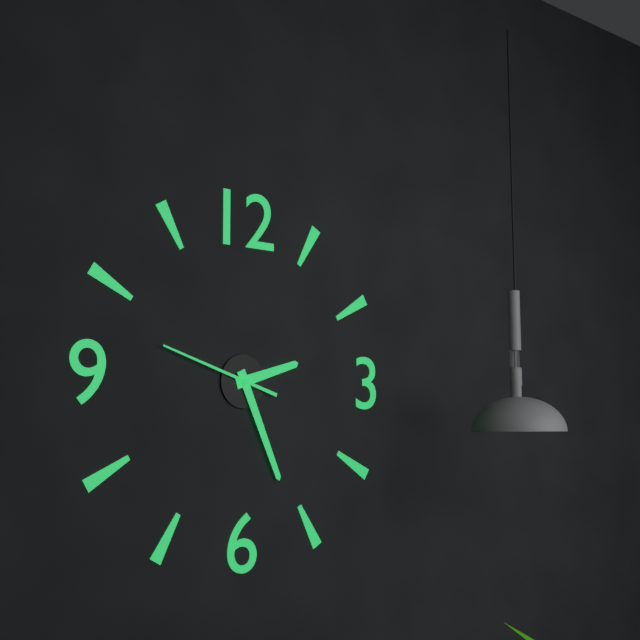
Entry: 2:26:48
